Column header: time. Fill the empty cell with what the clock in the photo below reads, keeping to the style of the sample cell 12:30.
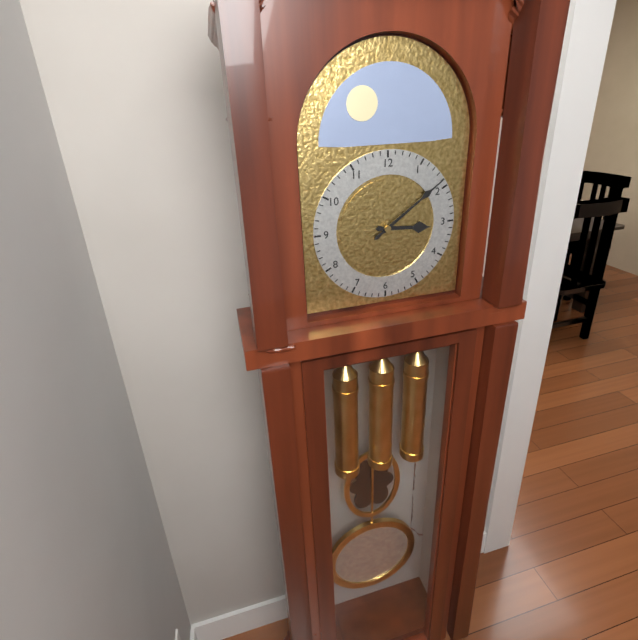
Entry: 3:09
